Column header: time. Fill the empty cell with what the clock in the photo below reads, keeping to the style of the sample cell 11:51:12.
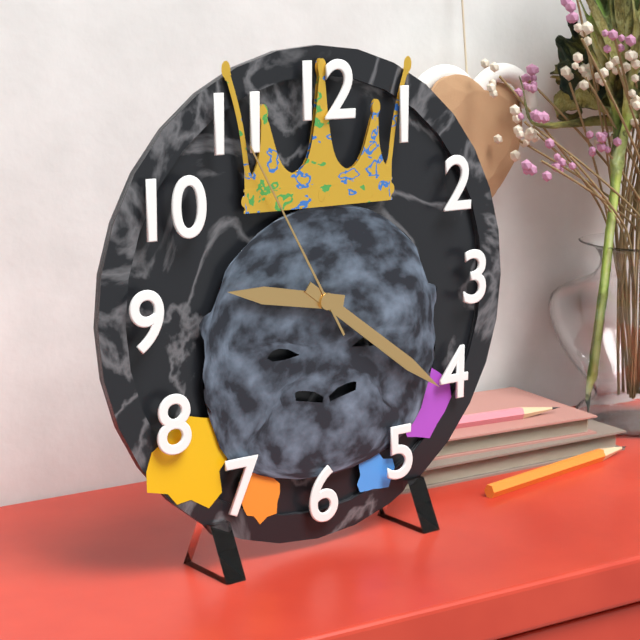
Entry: 9:21:55
